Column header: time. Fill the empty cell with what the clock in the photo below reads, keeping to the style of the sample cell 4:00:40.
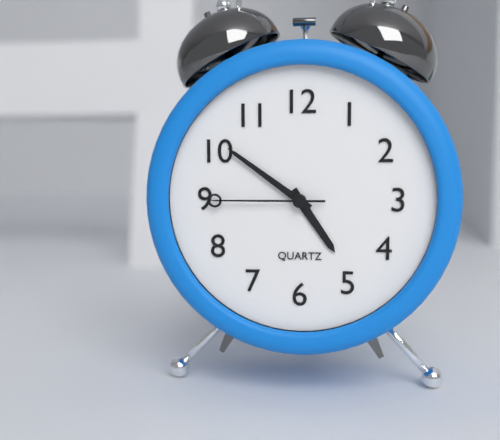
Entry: 4:51:45
